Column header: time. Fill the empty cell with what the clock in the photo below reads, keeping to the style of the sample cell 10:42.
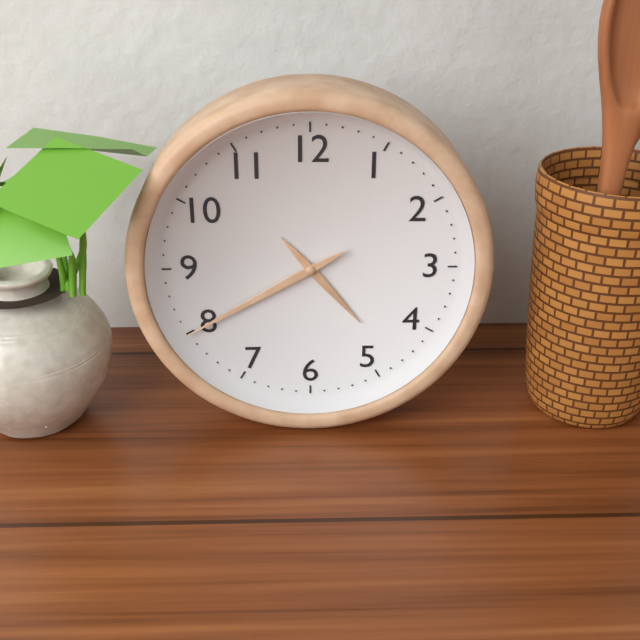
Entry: 4:40
